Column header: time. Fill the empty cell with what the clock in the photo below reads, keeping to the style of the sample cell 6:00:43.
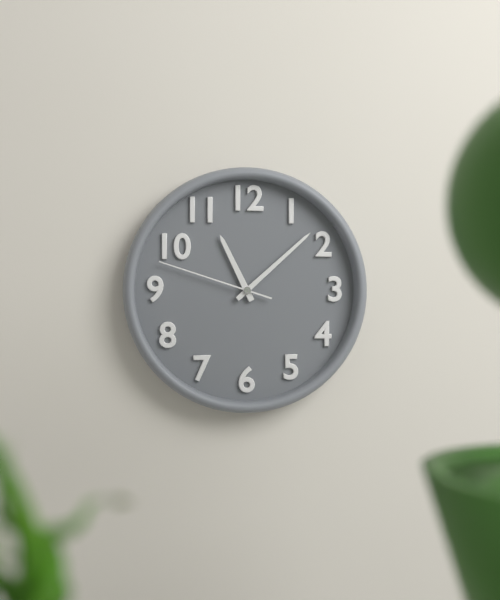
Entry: 11:08:48
